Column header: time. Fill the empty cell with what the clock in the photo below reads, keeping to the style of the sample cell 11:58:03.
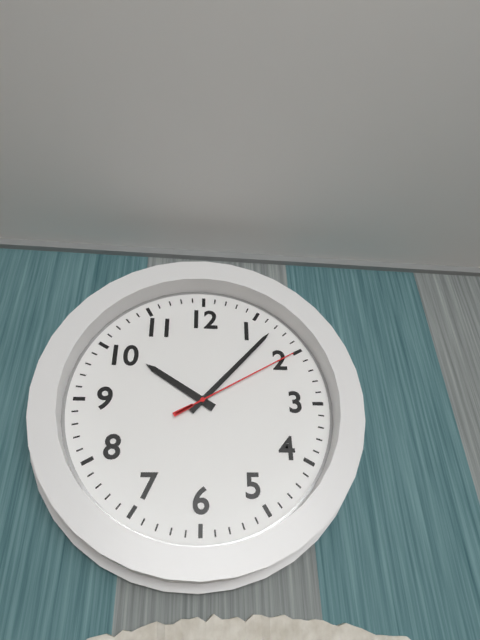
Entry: 10:07:10
